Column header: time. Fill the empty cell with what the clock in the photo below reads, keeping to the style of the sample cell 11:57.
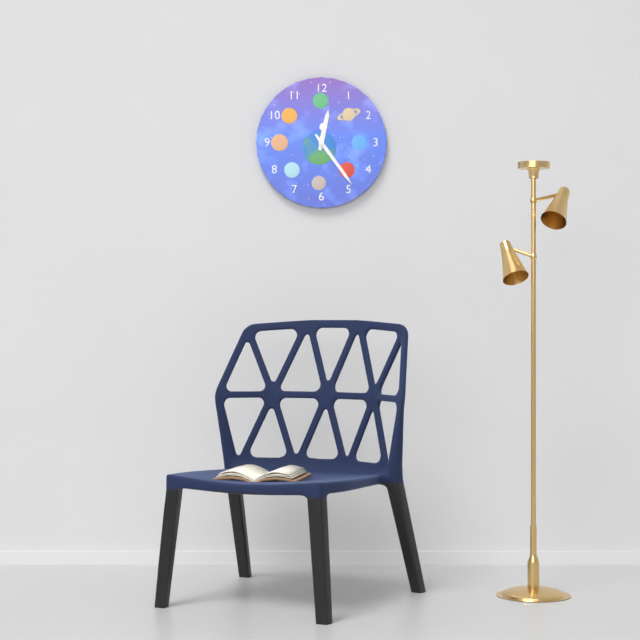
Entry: 12:24
